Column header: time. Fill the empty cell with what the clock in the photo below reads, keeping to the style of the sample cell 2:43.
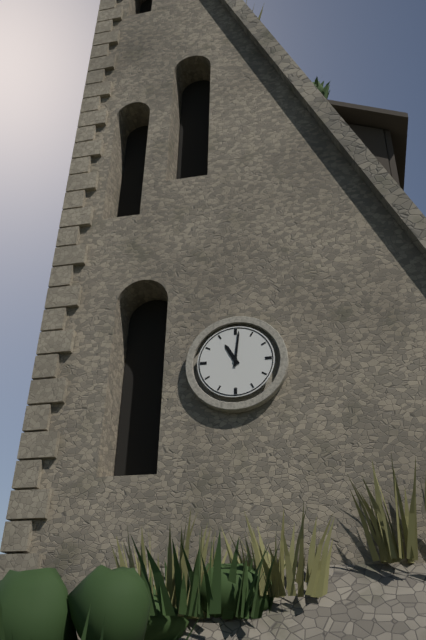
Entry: 11:01
